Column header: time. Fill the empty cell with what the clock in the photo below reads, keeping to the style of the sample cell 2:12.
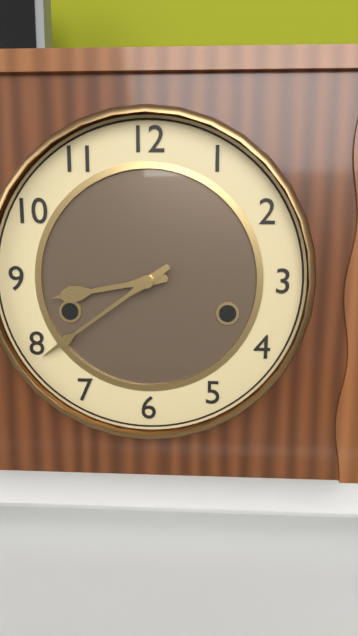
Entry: 8:39
